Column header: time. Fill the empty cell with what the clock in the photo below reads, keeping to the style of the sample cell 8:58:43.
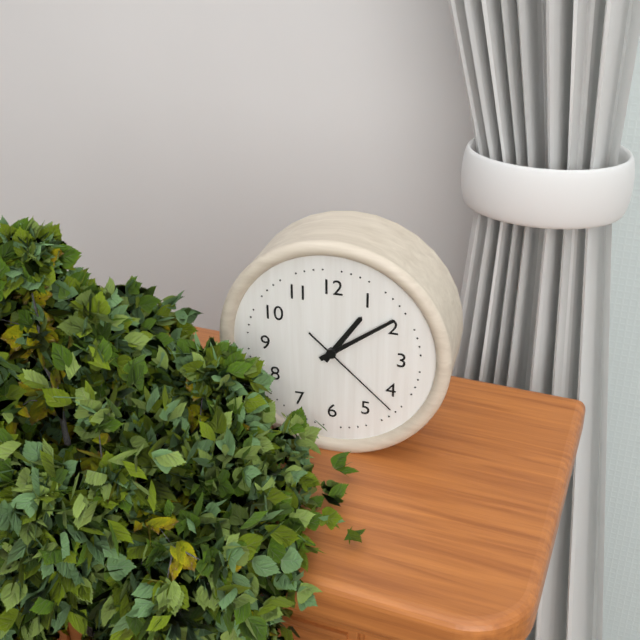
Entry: 1:09:22
